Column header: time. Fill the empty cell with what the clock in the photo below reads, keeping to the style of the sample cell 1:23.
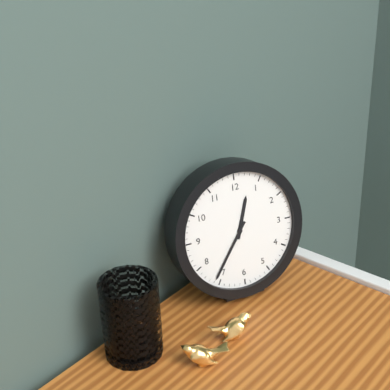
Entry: 12:36
